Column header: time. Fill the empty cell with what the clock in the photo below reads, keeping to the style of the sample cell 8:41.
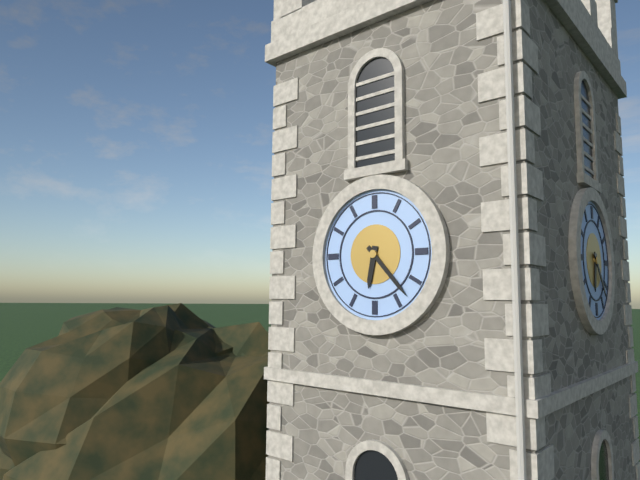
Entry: 6:23
